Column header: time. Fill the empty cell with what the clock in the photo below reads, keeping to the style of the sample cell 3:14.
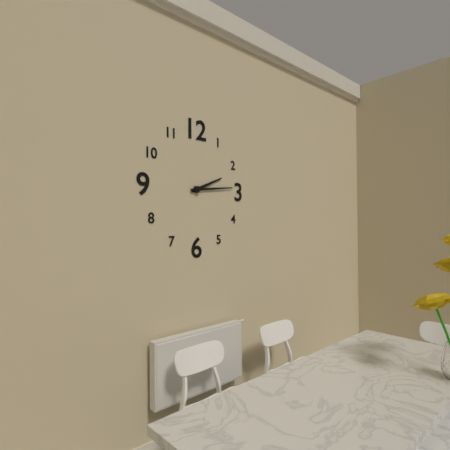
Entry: 2:14
